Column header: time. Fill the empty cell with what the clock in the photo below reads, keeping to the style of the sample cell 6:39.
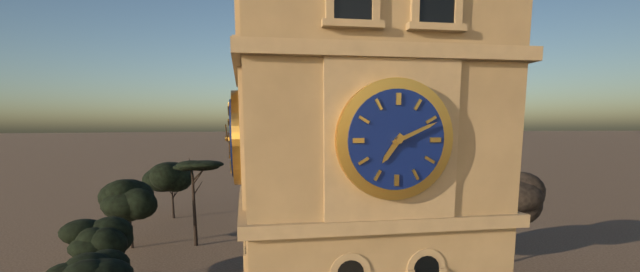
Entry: 7:11
